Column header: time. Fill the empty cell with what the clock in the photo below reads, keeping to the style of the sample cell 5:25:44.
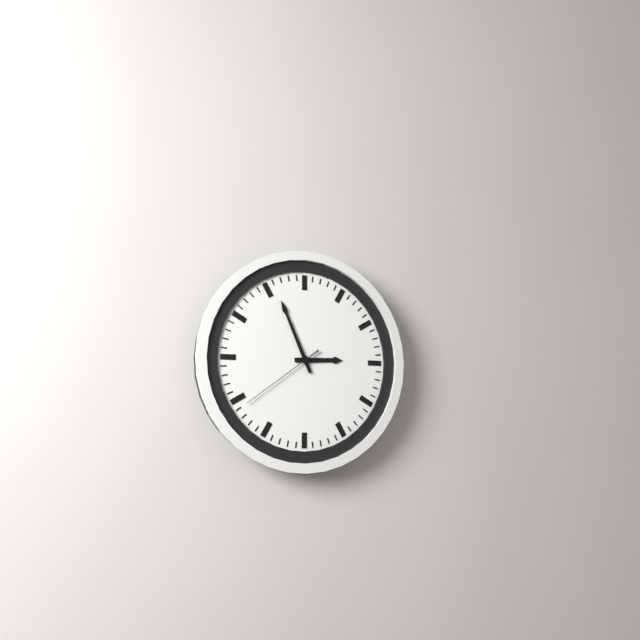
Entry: 2:56:39
